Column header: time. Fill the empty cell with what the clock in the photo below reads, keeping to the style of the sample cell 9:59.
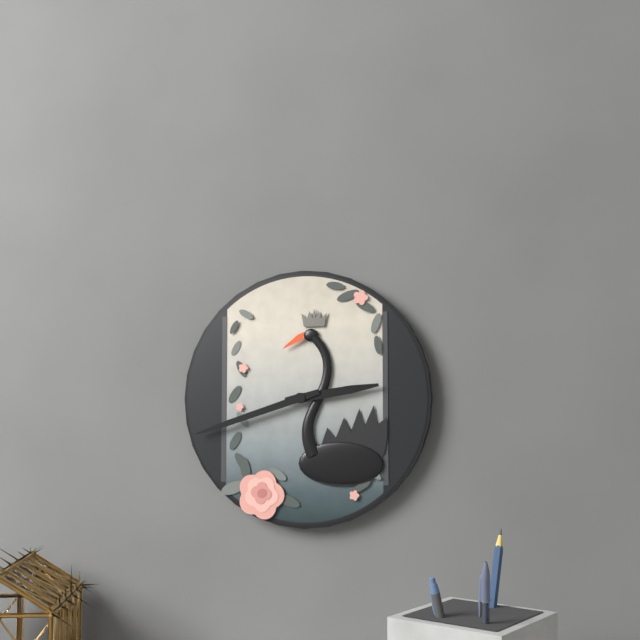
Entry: 2:42
